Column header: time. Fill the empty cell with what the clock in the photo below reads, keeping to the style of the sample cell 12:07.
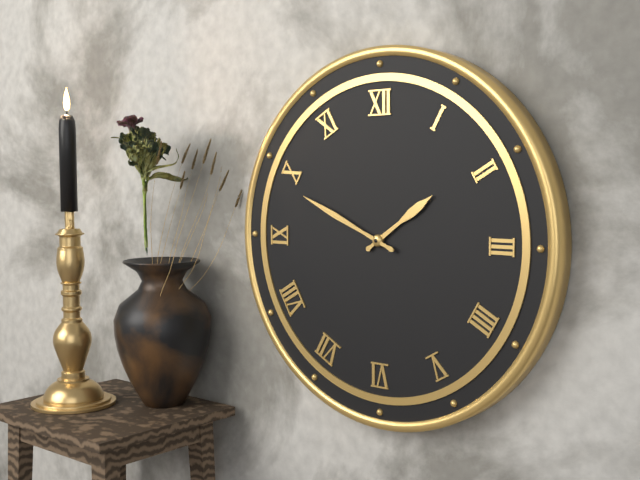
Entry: 1:49
